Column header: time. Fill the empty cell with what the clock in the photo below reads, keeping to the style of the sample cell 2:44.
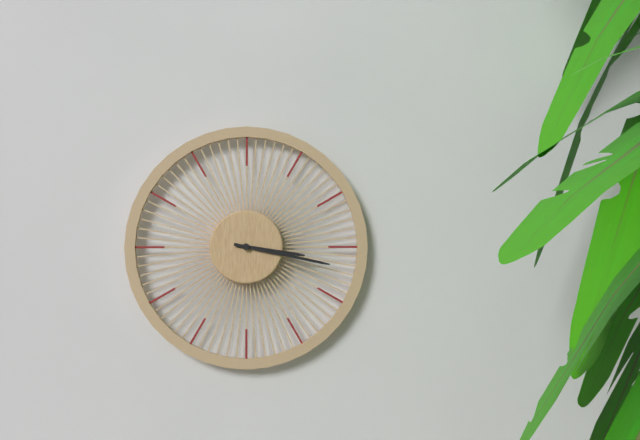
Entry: 3:17
